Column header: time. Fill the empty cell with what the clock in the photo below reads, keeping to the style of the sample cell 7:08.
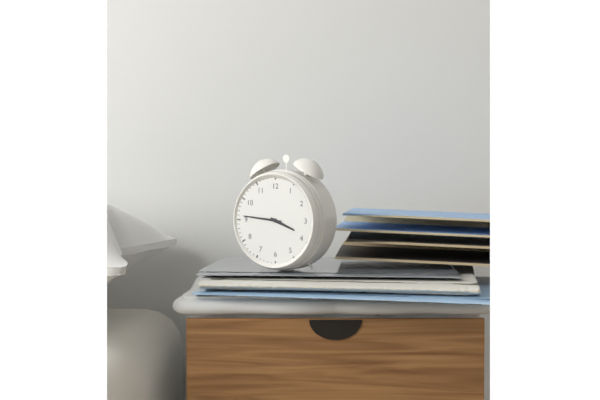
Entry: 3:46
